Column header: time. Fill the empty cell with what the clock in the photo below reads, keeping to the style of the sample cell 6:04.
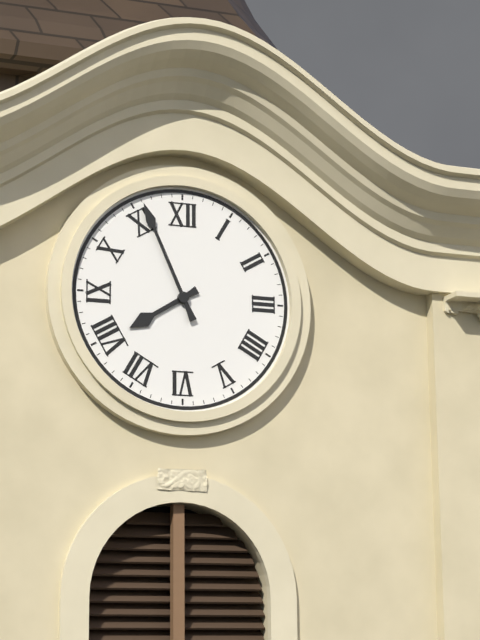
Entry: 7:56
